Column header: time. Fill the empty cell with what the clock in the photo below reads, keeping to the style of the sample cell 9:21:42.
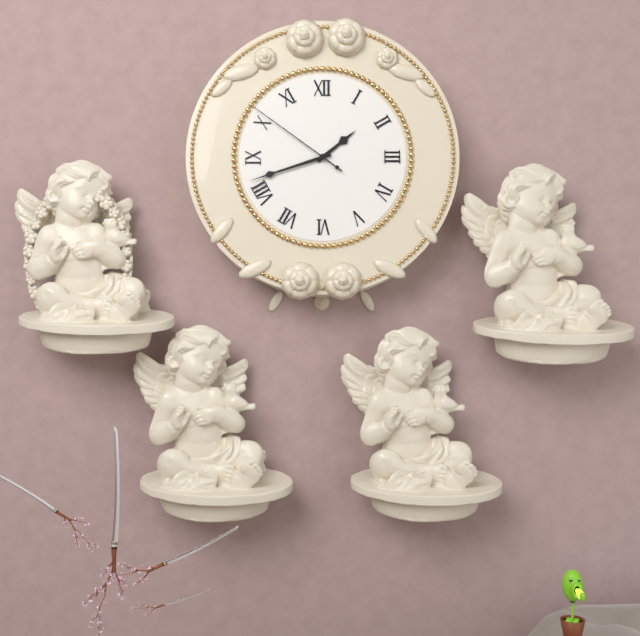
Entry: 1:42:51
